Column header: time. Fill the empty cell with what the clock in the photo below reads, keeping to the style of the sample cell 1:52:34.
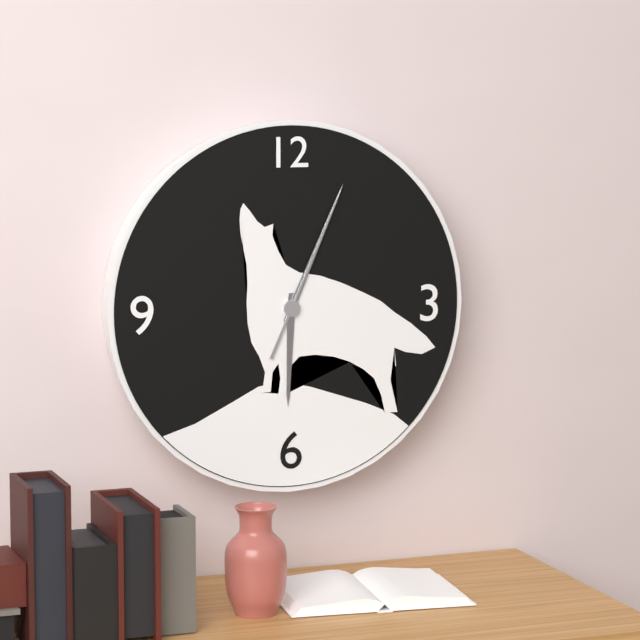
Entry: 6:04:04
